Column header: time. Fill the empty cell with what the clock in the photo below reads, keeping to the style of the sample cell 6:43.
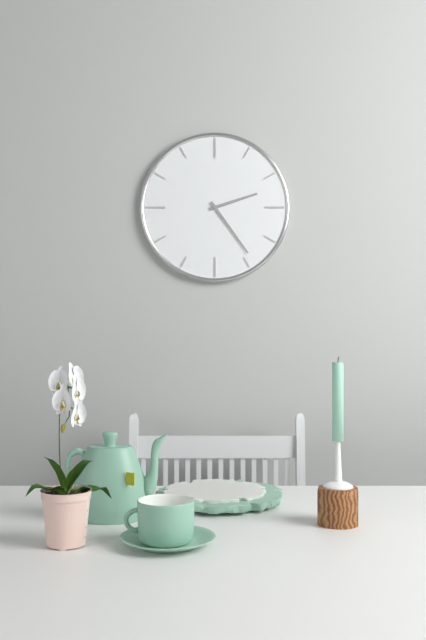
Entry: 2:24
